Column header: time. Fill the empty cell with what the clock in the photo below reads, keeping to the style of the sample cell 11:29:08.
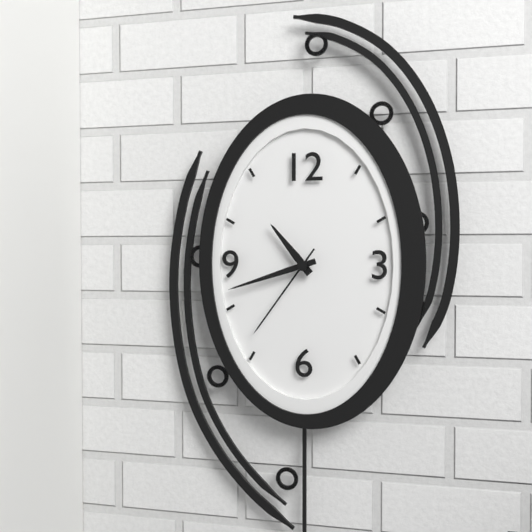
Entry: 10:42:36
